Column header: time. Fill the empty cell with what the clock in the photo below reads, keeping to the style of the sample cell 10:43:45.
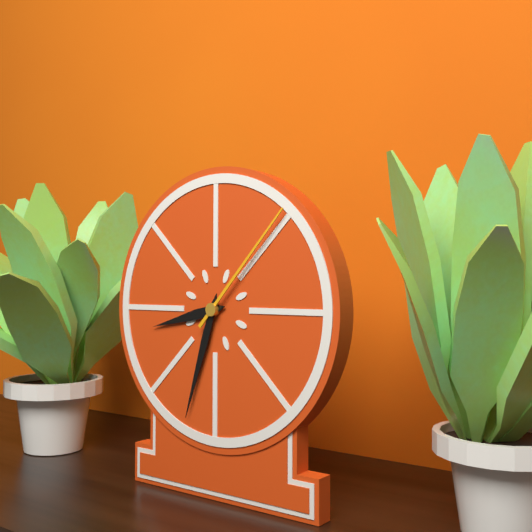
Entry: 8:33:07
